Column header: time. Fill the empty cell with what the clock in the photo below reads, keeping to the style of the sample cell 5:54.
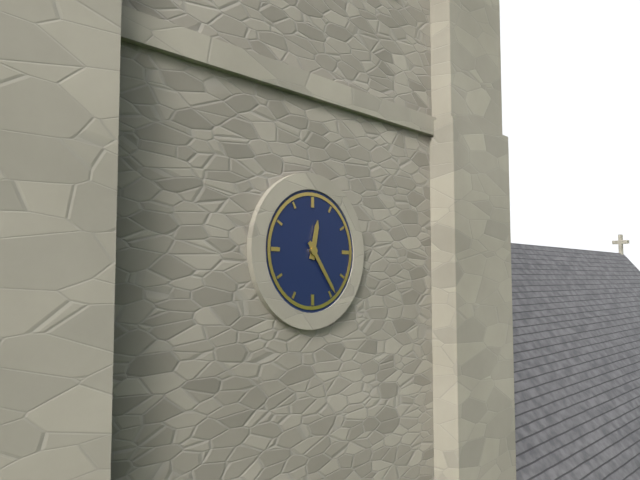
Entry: 12:24
